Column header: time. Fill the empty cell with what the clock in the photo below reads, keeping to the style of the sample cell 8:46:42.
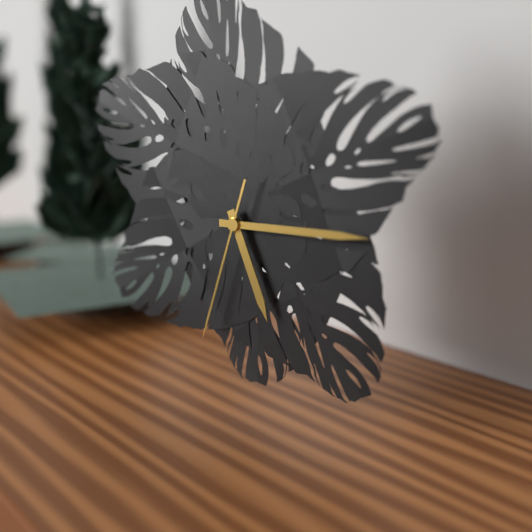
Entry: 5:15:33
